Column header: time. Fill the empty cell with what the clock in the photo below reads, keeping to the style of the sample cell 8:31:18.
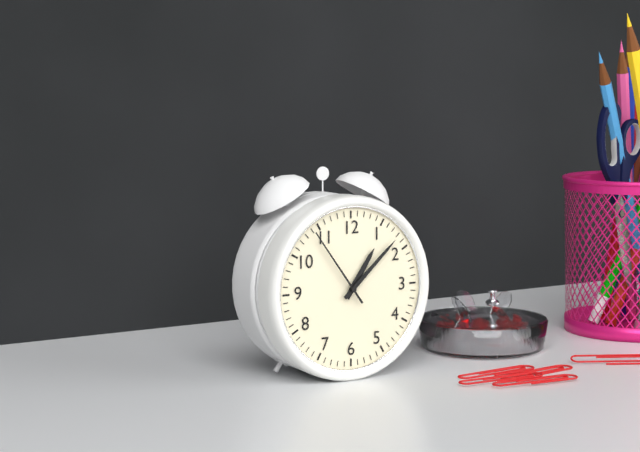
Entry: 1:08:54
